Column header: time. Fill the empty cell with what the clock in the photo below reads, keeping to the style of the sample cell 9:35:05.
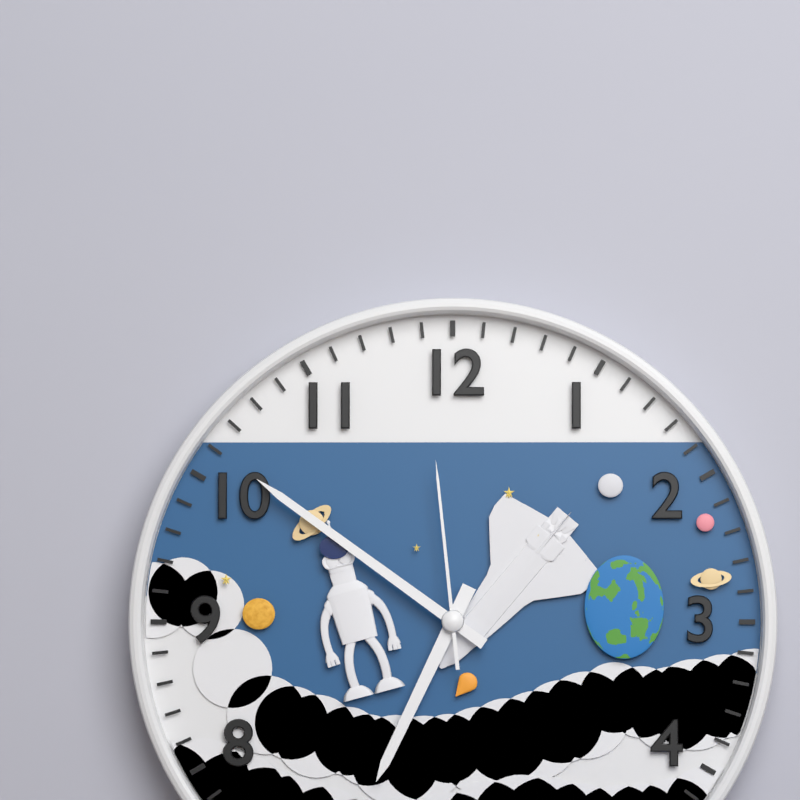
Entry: 6:51:59
